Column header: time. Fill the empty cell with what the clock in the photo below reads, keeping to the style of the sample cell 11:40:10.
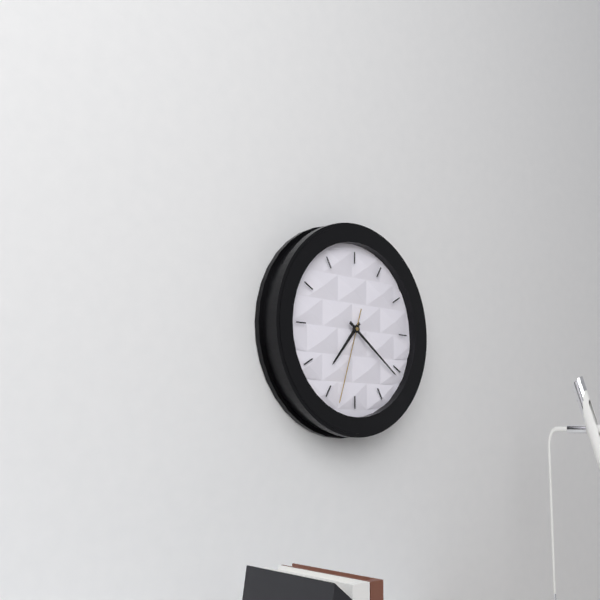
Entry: 7:21:33
